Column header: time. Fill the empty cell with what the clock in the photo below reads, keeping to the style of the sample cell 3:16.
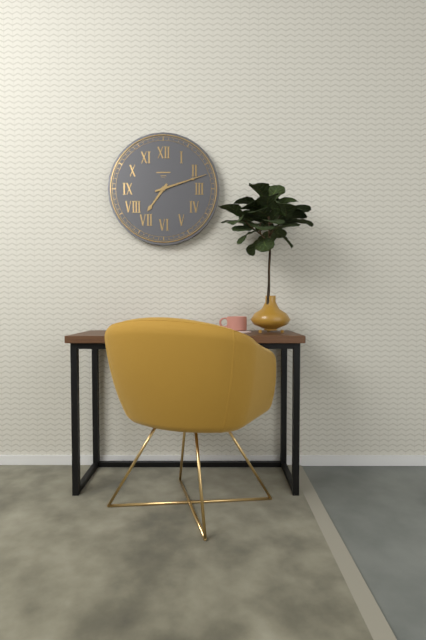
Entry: 7:12
